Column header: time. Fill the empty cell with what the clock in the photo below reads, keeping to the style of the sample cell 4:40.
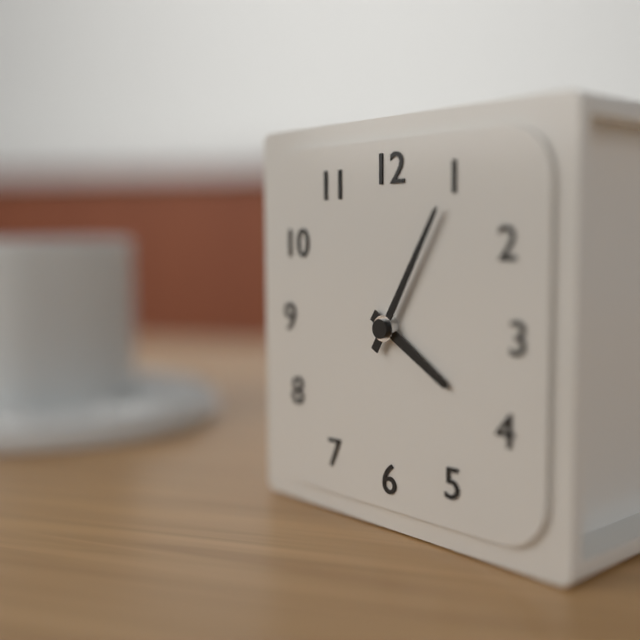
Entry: 4:05
